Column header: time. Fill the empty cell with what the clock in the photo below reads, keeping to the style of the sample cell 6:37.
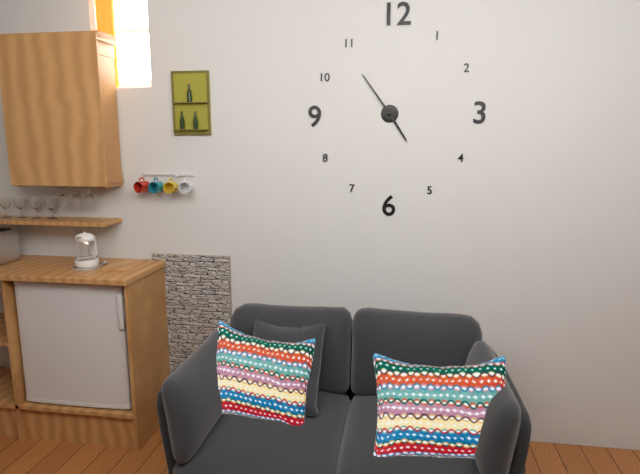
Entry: 4:54
